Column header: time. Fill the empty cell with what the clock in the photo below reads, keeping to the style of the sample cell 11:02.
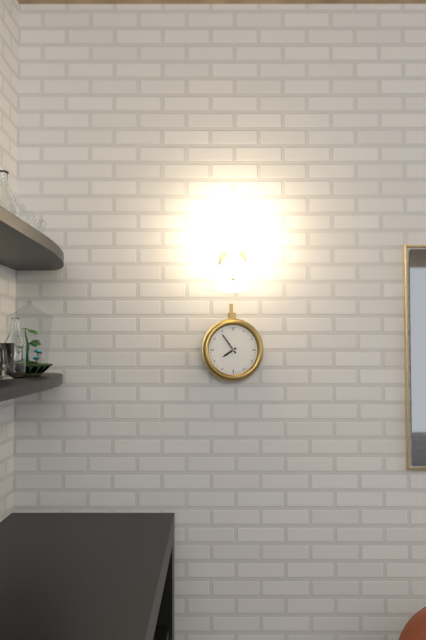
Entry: 7:54
